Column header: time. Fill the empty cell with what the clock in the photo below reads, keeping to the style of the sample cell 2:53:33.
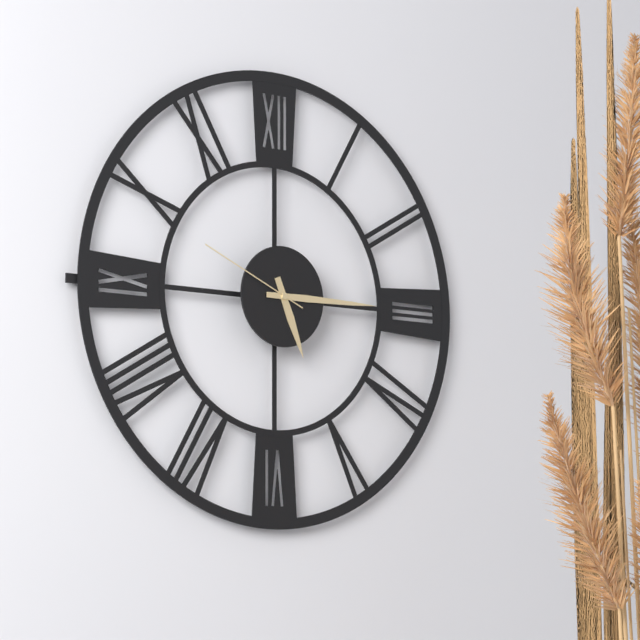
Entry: 5:15:49
